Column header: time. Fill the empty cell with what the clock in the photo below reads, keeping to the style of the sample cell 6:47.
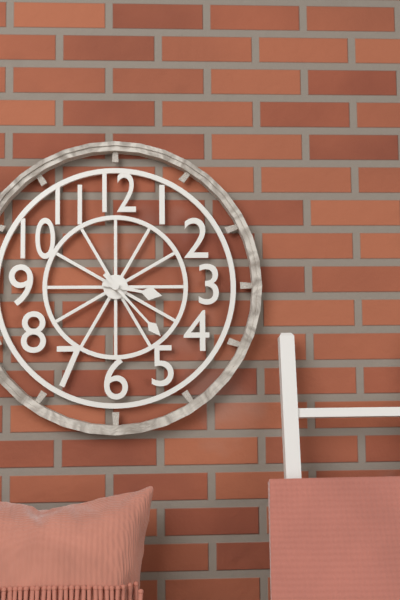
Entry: 3:23
